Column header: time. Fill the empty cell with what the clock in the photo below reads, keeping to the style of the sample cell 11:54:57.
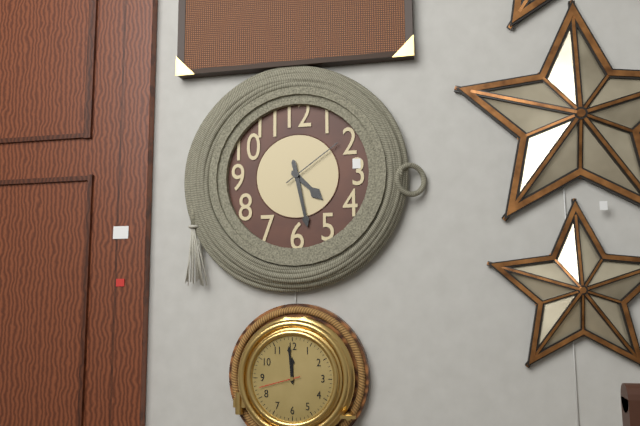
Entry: 4:28:09
